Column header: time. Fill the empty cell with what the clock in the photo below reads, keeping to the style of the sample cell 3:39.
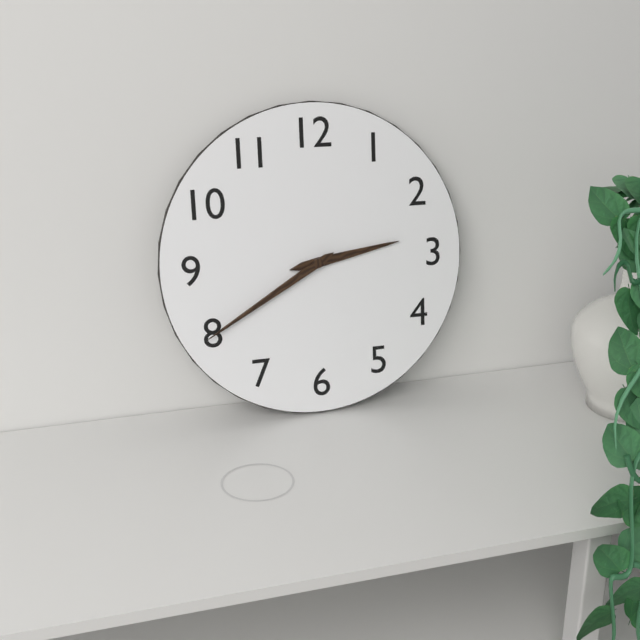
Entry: 2:40
